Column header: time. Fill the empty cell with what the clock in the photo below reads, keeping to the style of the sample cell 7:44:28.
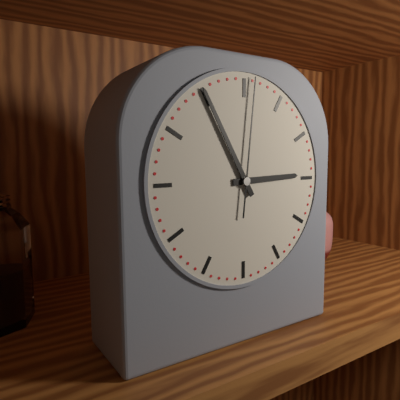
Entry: 2:55:01
